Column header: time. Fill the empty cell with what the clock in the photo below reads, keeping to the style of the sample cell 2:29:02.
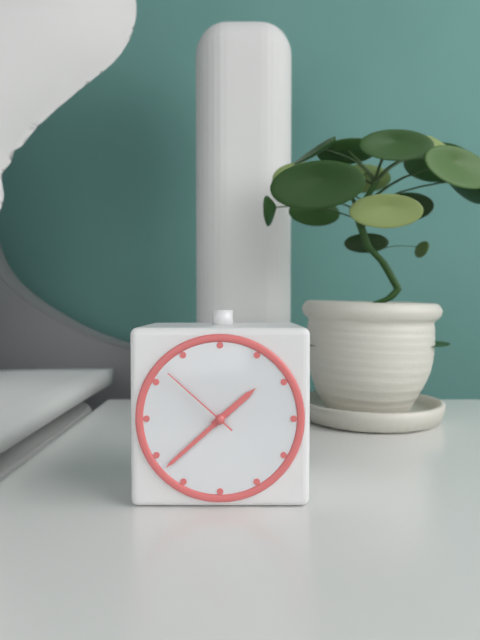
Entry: 1:38:52
